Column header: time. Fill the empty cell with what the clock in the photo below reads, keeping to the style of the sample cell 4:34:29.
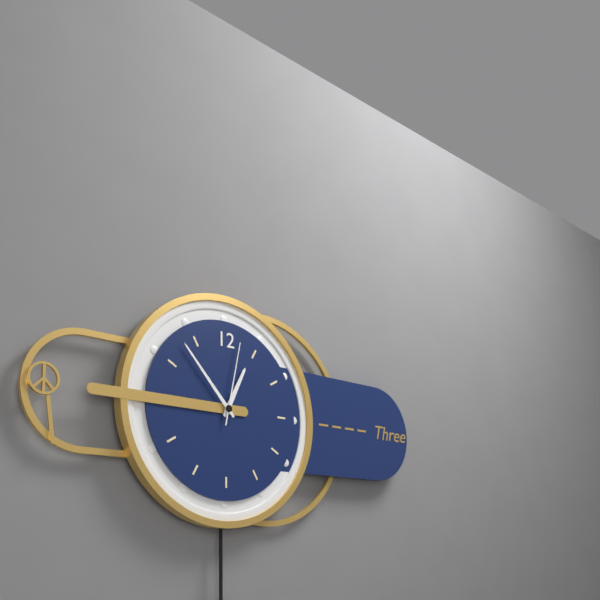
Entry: 12:53:02
